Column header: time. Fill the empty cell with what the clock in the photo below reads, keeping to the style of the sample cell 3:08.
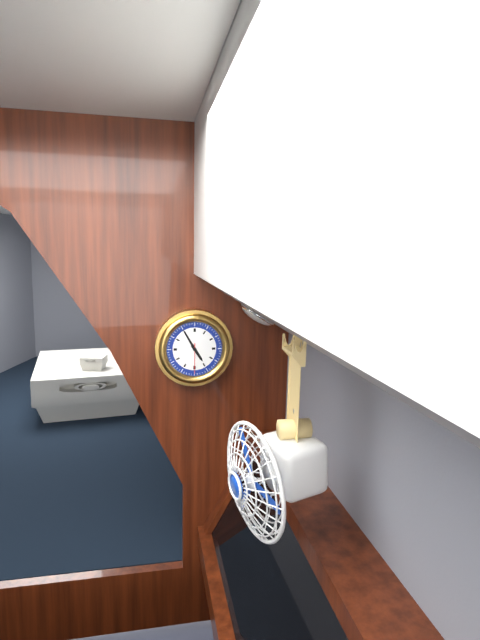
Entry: 4:55
